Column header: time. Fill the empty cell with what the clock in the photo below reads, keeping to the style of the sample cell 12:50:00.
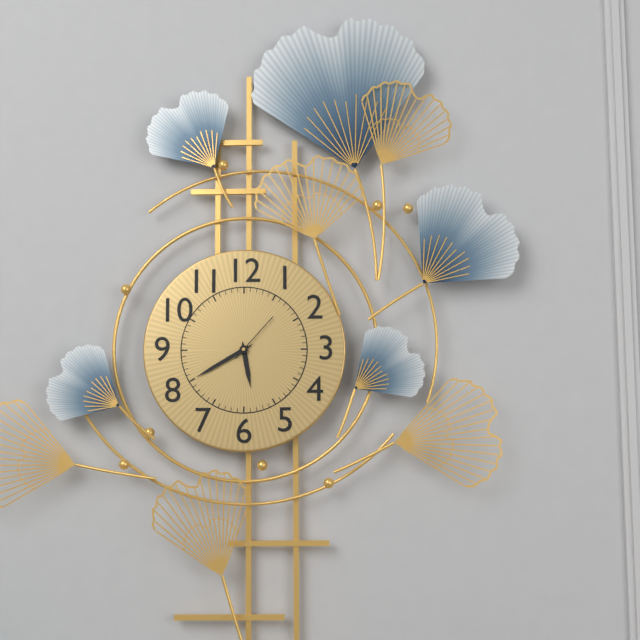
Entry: 5:40:07
